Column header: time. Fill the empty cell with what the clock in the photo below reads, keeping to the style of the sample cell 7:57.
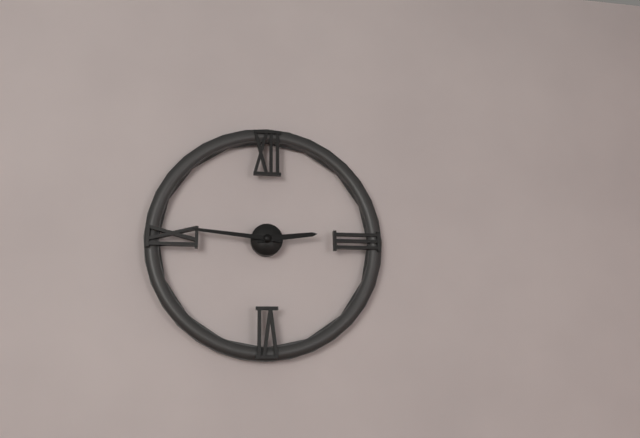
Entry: 2:46
